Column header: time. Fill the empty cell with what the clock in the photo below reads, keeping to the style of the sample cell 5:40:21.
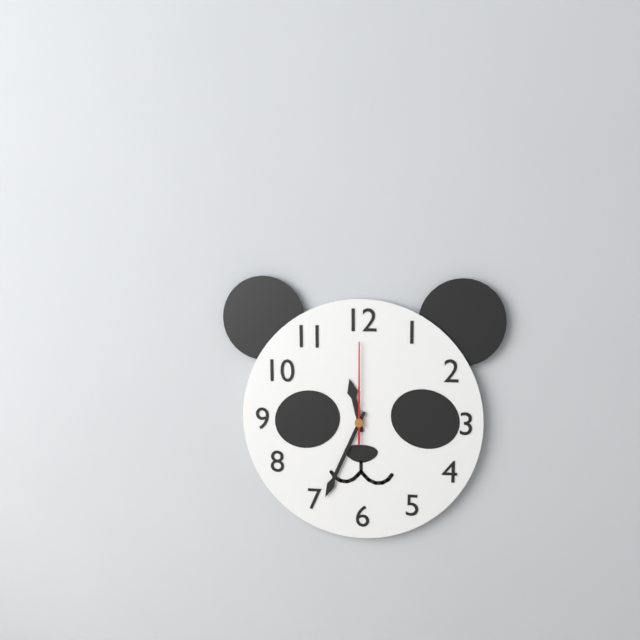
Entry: 11:34:00
